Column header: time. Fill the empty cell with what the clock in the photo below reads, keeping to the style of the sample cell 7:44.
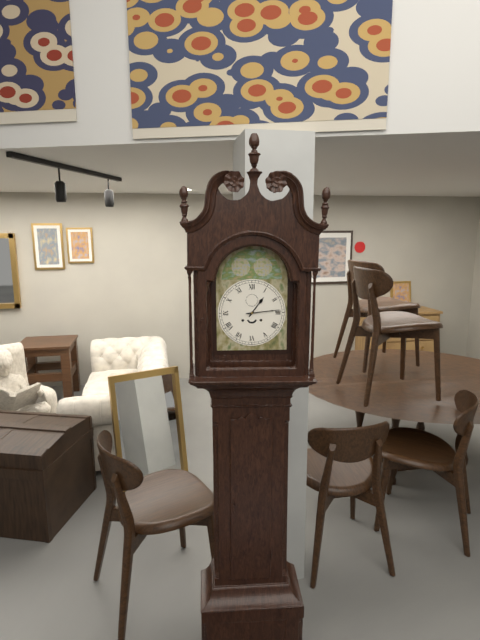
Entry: 1:14
